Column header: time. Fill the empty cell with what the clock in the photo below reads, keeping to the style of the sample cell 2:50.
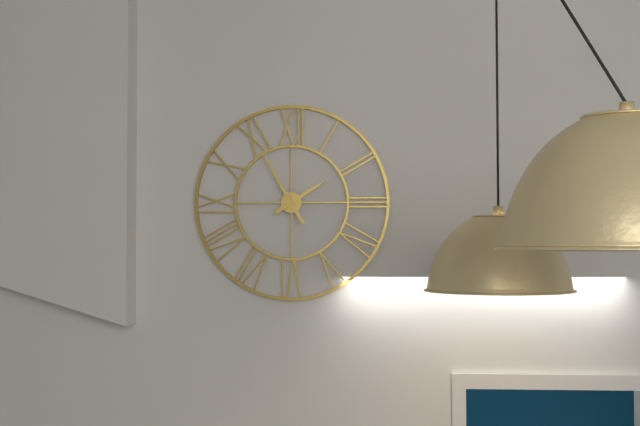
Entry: 1:55
